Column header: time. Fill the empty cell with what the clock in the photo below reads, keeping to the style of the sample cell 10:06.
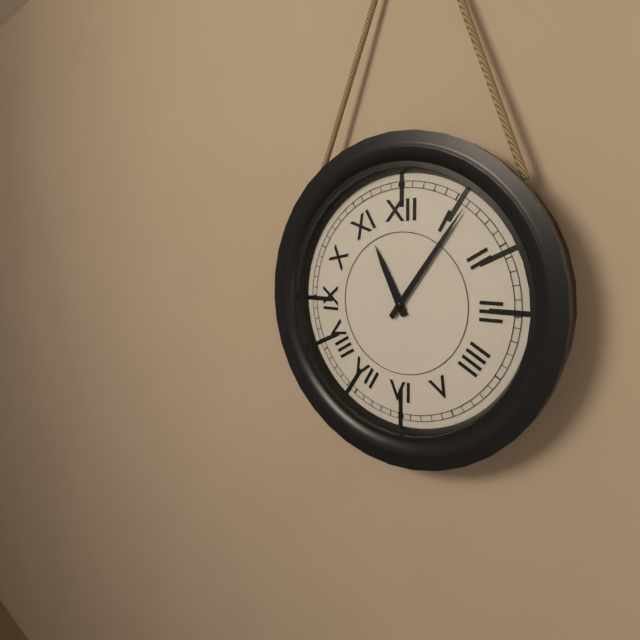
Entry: 11:06
